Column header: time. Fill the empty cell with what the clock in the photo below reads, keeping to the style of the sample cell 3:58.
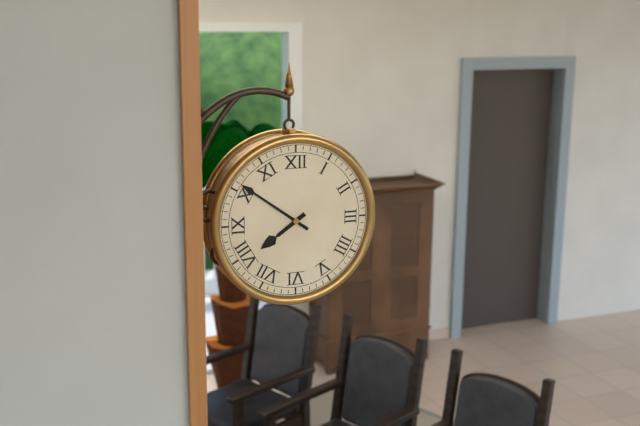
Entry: 7:51
